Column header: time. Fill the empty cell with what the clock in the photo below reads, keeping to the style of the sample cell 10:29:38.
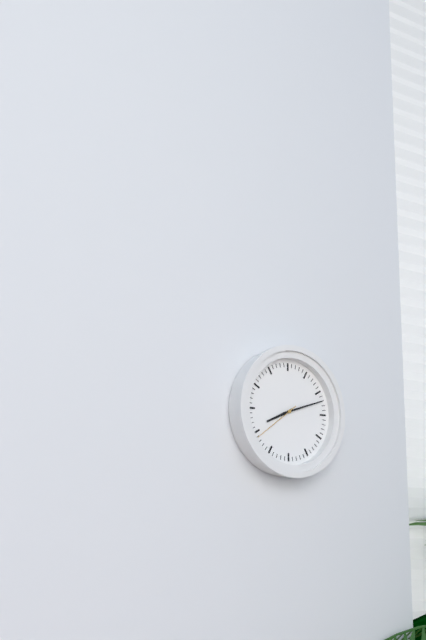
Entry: 8:12:39
